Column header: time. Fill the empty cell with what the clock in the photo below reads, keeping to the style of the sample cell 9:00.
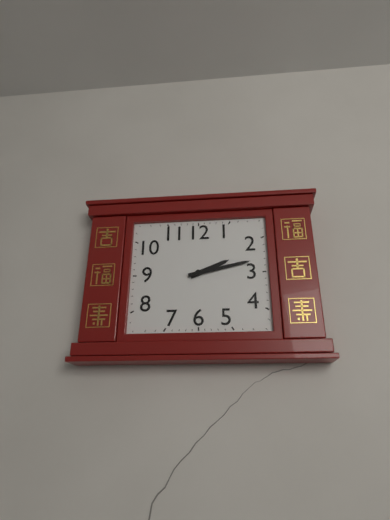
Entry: 2:13
